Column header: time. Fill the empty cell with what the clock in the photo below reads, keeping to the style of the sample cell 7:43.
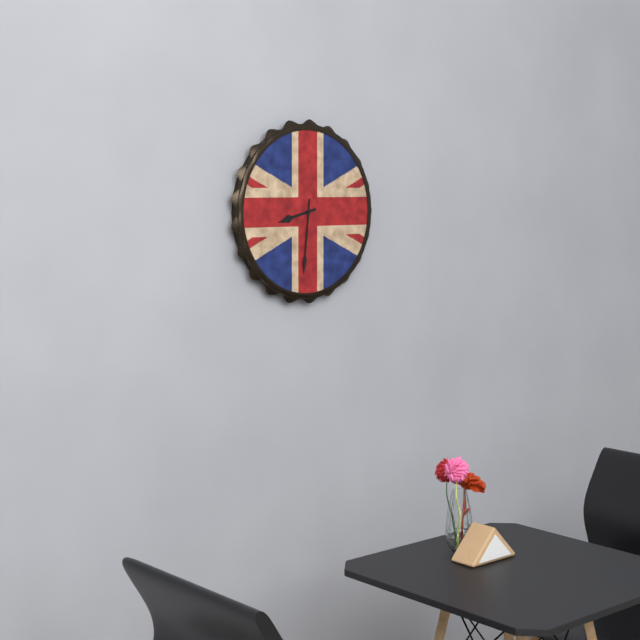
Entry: 8:31
